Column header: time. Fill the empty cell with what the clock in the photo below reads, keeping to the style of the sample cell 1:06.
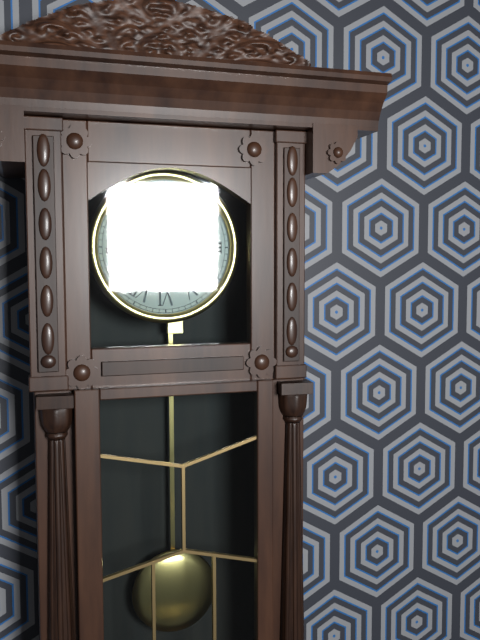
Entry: 1:55
